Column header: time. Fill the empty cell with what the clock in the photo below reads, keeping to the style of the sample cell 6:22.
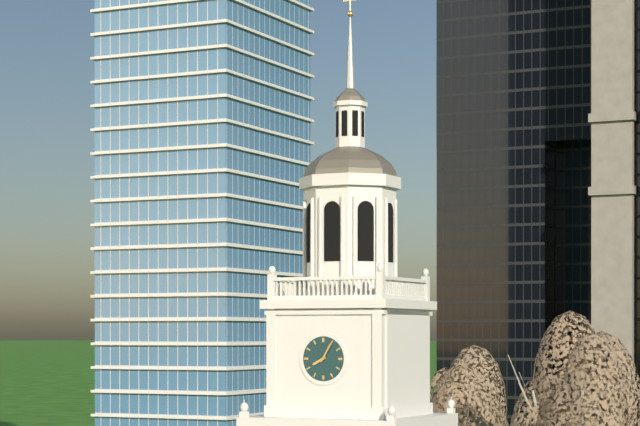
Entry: 8:05
